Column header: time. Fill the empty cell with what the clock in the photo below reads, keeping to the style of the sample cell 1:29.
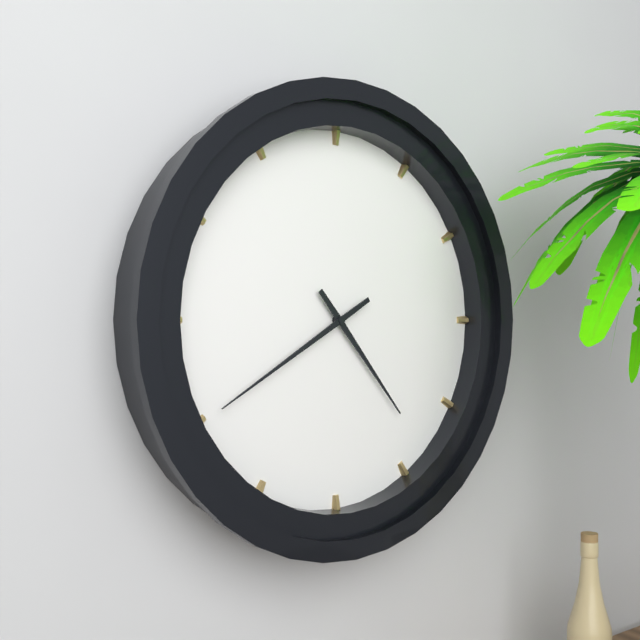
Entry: 4:40
